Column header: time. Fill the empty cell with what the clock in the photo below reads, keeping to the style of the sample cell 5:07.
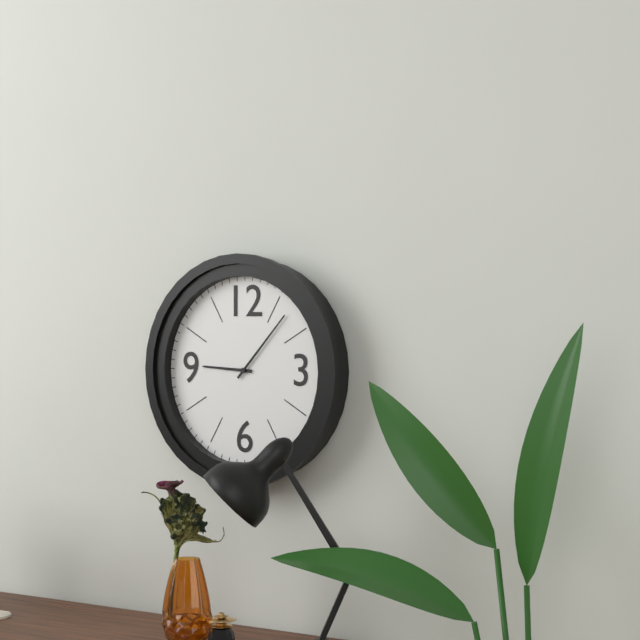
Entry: 9:07
